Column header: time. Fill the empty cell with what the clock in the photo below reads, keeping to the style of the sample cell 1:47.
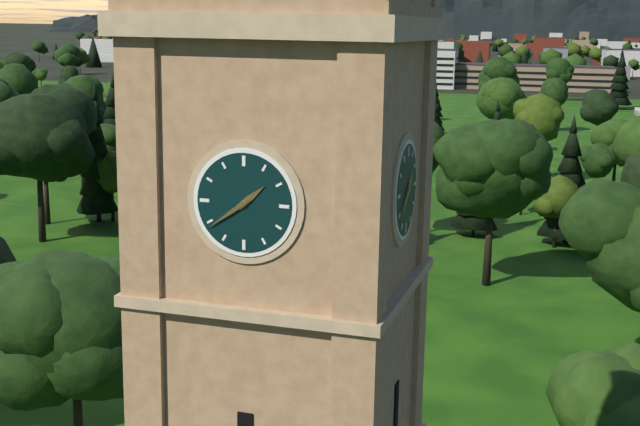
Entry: 1:39
